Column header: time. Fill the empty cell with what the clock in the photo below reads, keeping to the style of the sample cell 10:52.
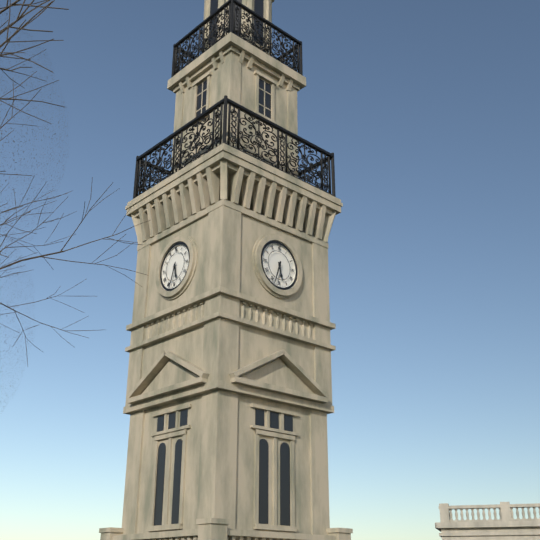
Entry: 5:33
